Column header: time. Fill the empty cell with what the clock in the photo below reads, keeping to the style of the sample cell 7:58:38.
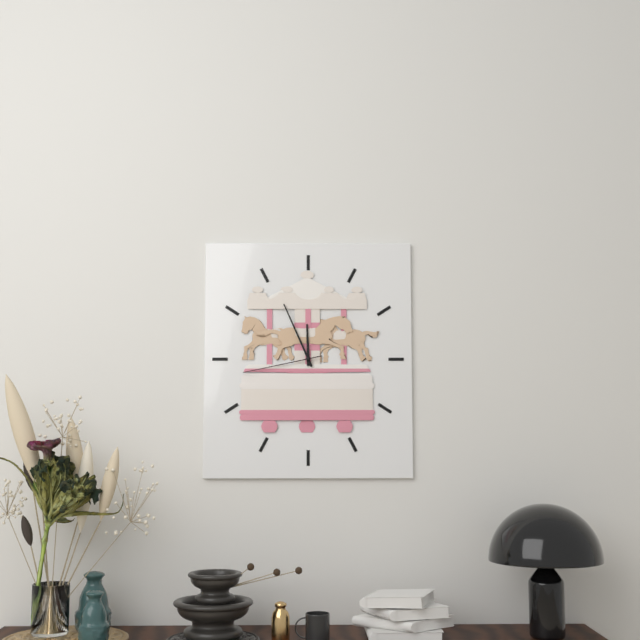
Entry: 11:56:43
